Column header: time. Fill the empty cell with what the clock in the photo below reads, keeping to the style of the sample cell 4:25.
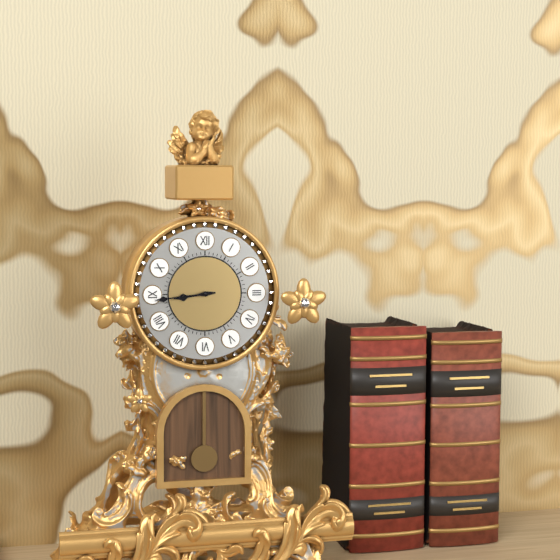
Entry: 8:44
